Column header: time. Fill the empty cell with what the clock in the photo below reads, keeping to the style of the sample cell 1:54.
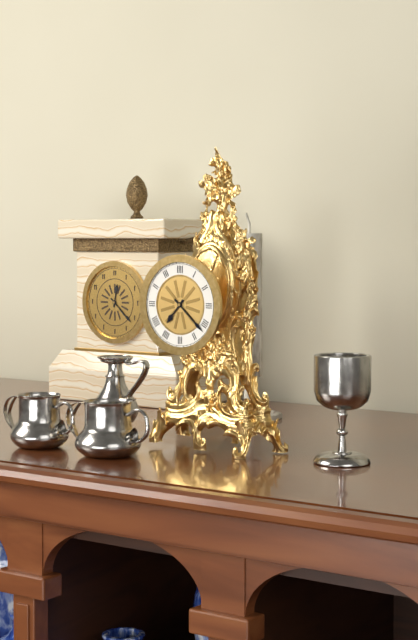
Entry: 7:22
